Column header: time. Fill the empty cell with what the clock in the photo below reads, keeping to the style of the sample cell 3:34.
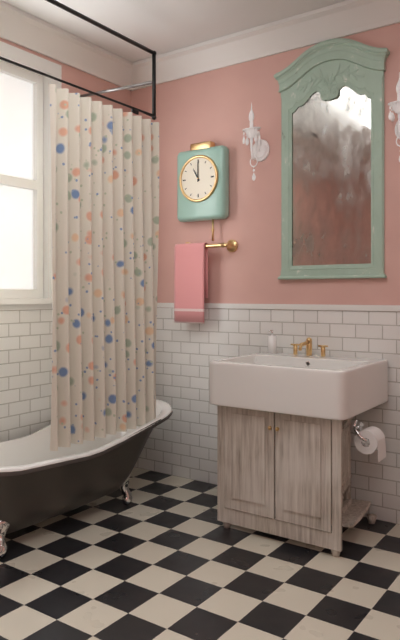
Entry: 11:00
